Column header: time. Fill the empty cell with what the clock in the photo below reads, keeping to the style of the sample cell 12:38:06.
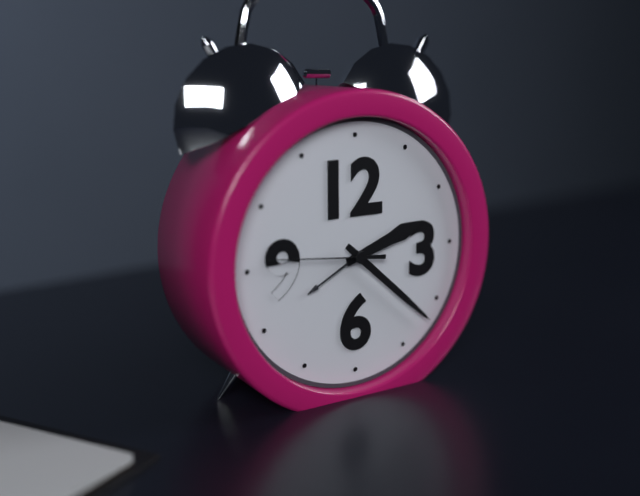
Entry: 2:22:46
